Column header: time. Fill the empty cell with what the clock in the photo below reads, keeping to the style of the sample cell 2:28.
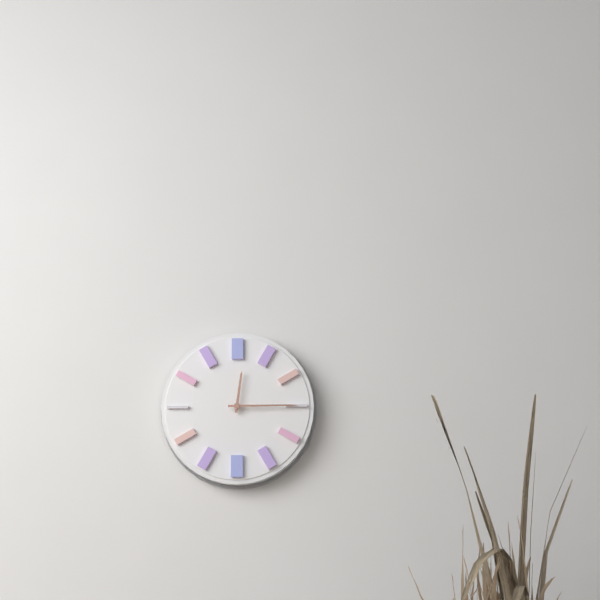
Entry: 12:15
